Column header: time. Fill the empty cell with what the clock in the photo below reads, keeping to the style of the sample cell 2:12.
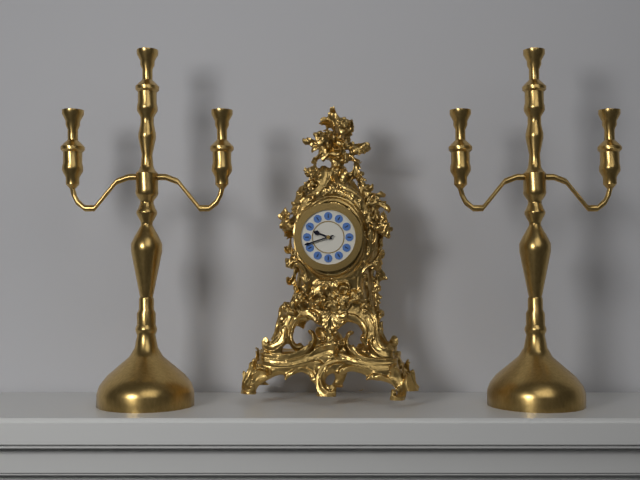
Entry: 9:42
